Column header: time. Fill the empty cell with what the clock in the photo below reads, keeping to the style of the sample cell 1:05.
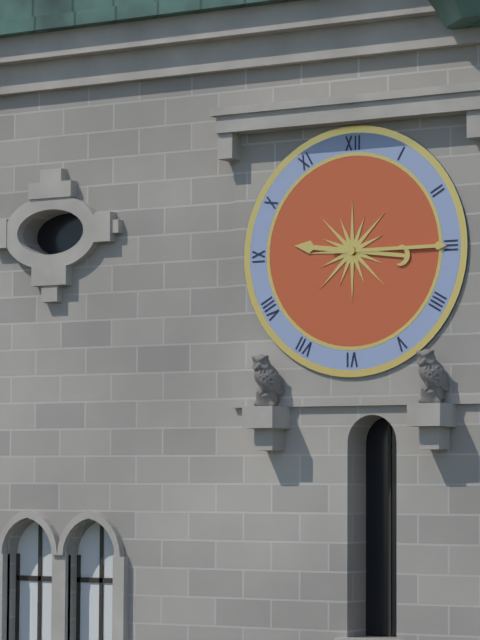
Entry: 9:15
